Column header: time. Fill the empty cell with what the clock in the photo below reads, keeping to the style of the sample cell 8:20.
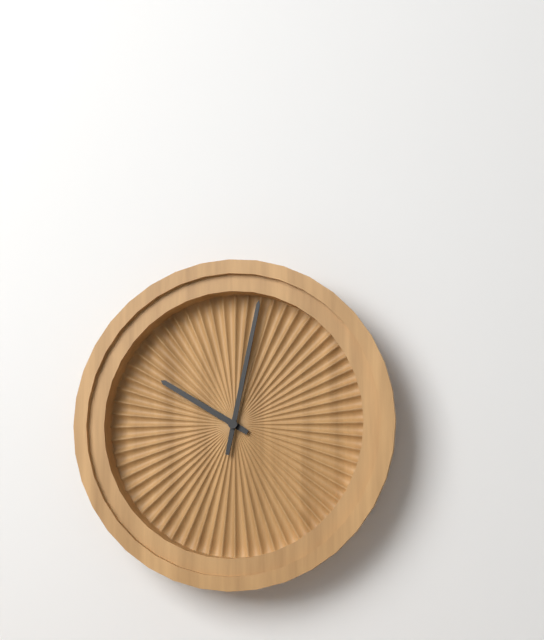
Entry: 10:02
